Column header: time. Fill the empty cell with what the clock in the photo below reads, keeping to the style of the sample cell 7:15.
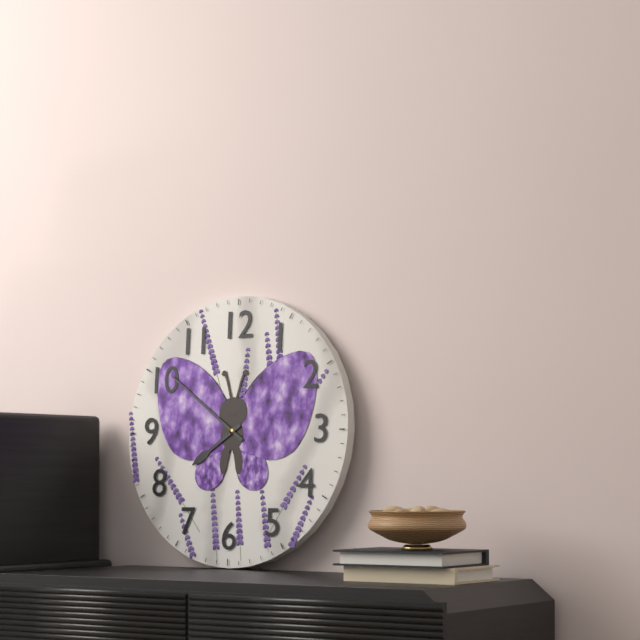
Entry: 7:51
